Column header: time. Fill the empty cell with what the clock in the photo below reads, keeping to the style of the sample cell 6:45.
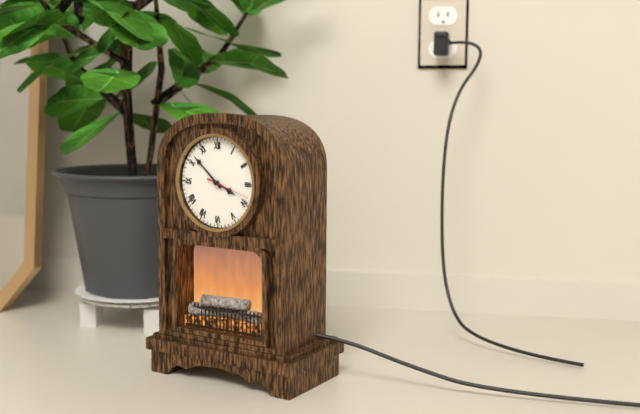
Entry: 3:52
